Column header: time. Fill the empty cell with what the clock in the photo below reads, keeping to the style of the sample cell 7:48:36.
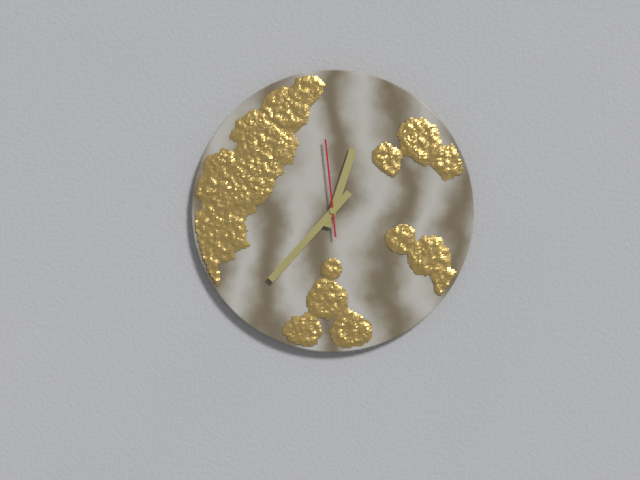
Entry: 12:37:59
